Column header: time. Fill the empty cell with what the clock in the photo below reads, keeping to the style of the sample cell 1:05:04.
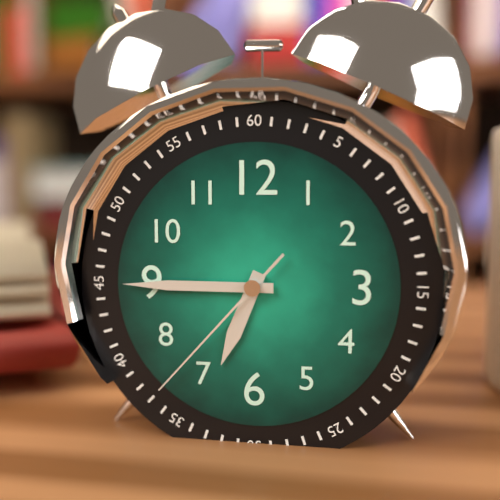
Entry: 6:45:37
